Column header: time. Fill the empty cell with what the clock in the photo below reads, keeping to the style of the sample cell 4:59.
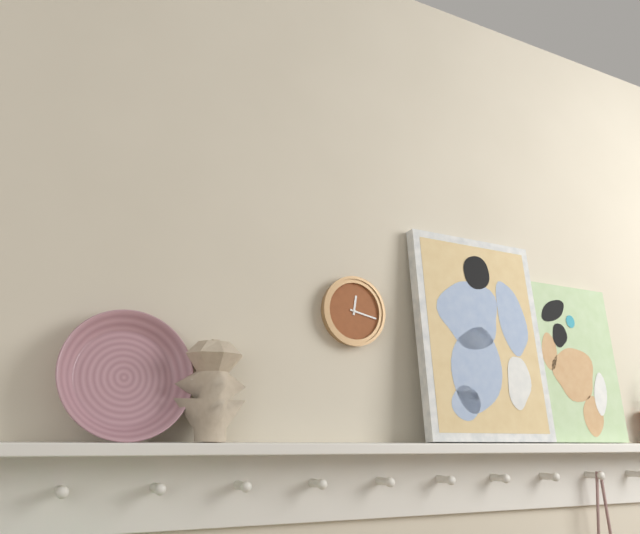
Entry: 12:17
